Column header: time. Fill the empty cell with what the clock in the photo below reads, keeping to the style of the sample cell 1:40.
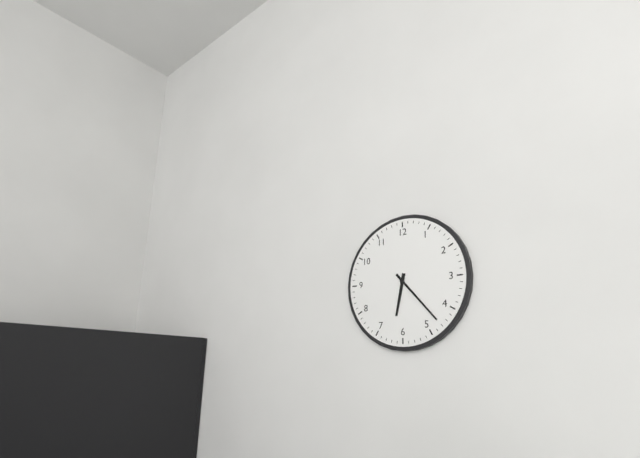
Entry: 6:23
